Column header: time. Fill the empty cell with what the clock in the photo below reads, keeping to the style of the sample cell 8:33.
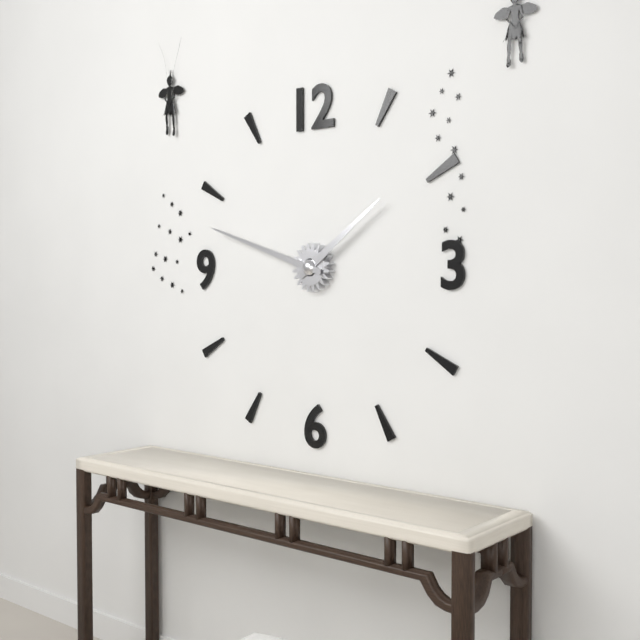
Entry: 1:48
